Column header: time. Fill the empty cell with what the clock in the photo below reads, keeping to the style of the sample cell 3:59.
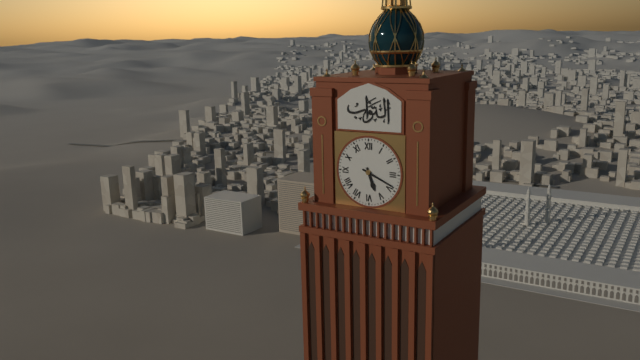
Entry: 5:19
